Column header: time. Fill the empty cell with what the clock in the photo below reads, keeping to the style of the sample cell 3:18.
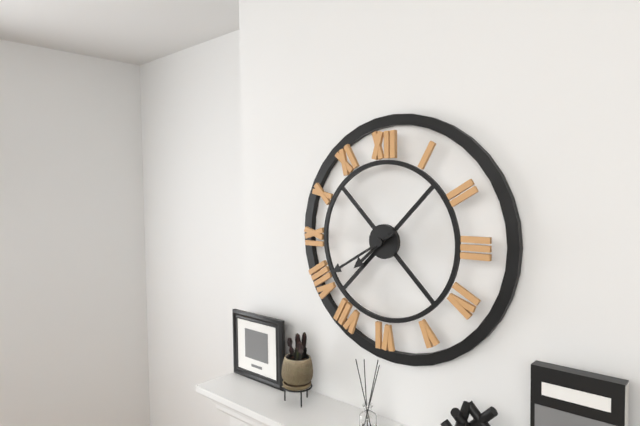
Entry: 7:40
